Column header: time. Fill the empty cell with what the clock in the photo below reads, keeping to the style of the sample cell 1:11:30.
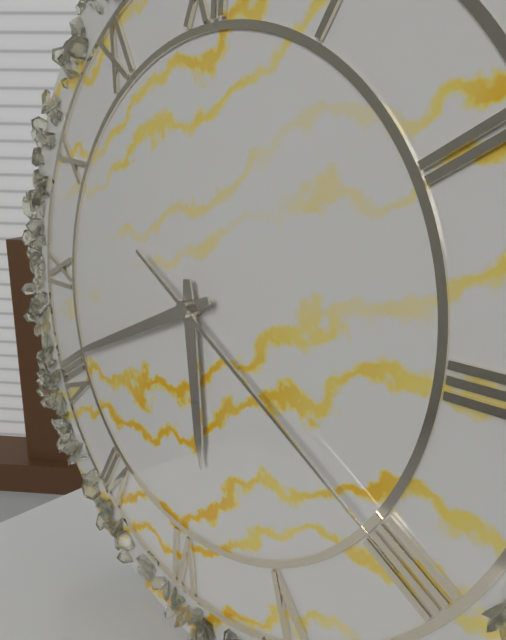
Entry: 5:41:20
